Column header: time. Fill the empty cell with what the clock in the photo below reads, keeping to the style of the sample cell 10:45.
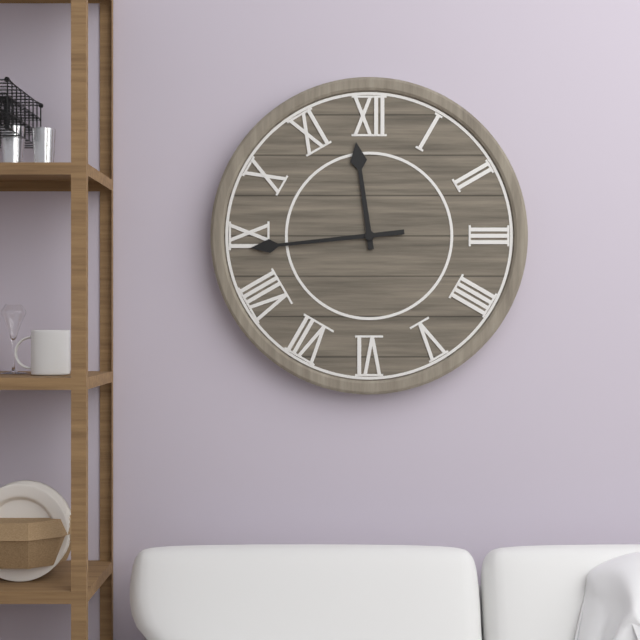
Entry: 11:44
